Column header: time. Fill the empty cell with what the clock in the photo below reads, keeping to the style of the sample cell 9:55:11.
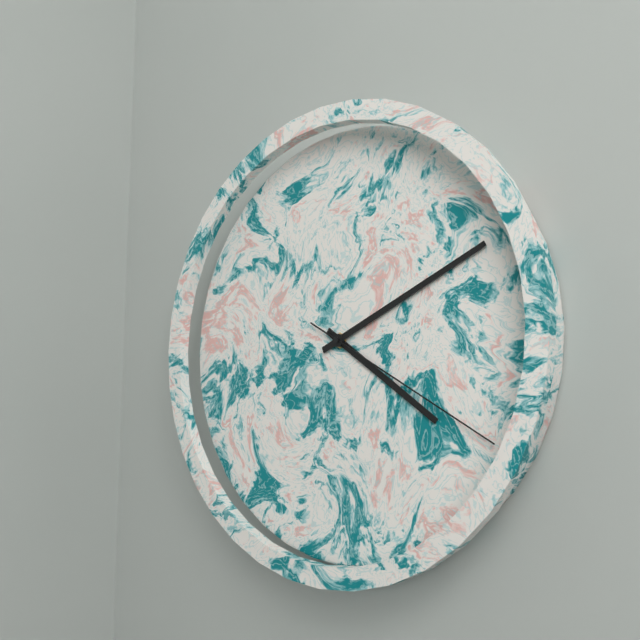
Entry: 4:11:20
